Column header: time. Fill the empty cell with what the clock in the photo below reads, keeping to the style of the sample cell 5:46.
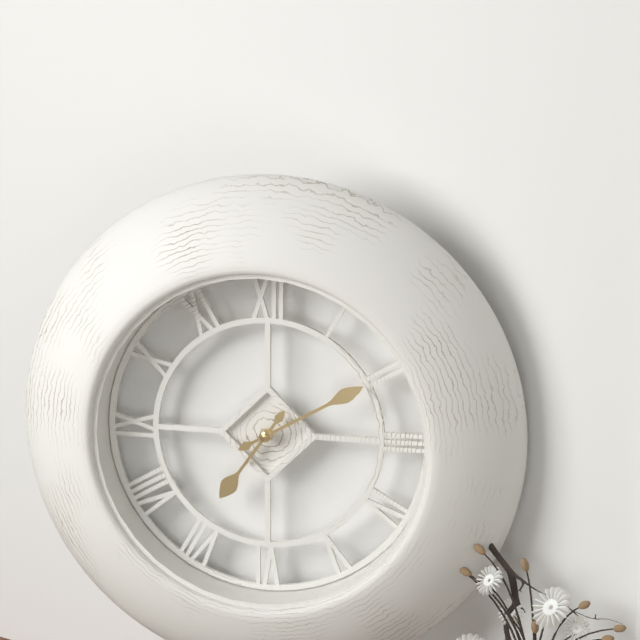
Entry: 7:10
